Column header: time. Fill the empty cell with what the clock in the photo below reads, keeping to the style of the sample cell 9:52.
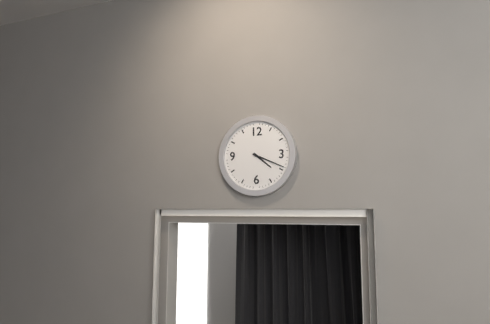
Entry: 4:19
